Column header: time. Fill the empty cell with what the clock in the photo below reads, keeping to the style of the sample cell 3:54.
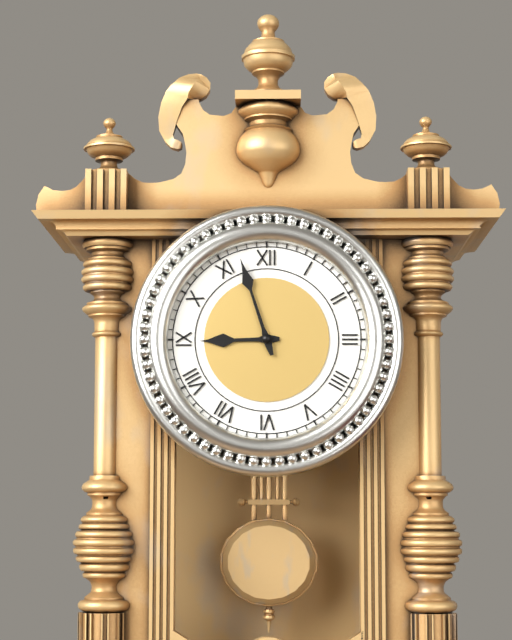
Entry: 8:57
